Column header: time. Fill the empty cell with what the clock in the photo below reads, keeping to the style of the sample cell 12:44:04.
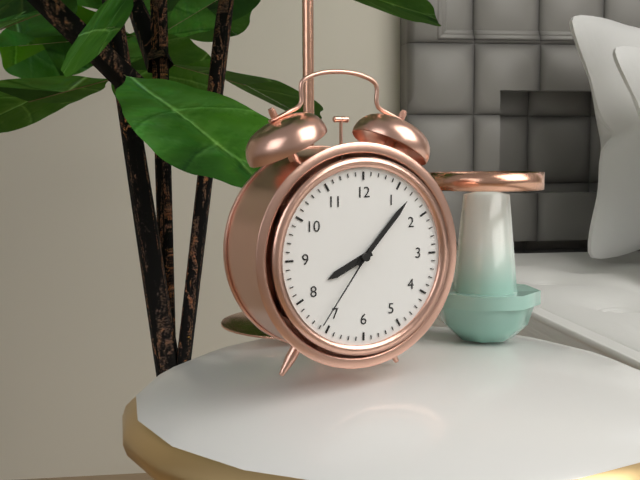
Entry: 8:07:36
